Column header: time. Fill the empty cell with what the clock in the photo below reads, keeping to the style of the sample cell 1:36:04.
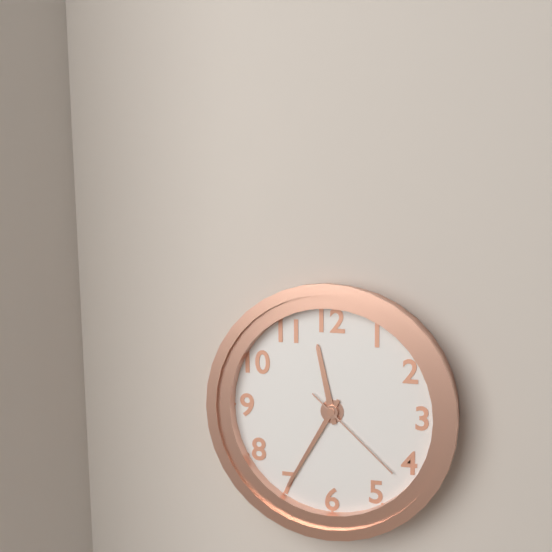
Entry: 11:35:22
